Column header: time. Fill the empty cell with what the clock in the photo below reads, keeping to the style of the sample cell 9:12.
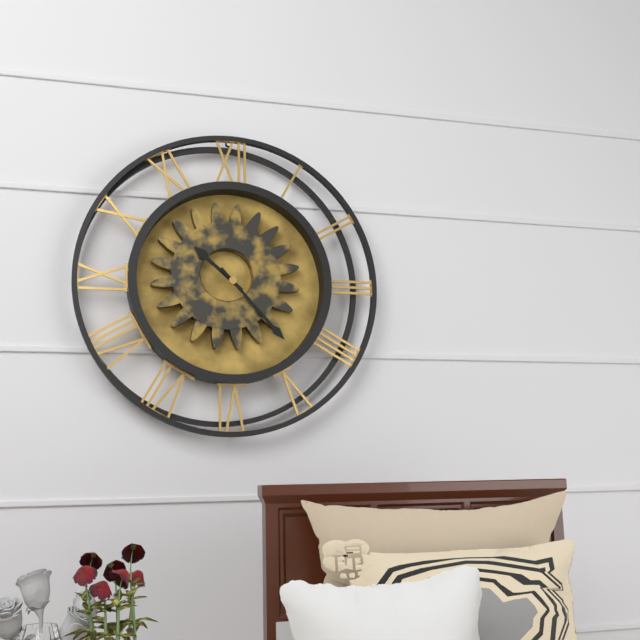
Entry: 10:23
